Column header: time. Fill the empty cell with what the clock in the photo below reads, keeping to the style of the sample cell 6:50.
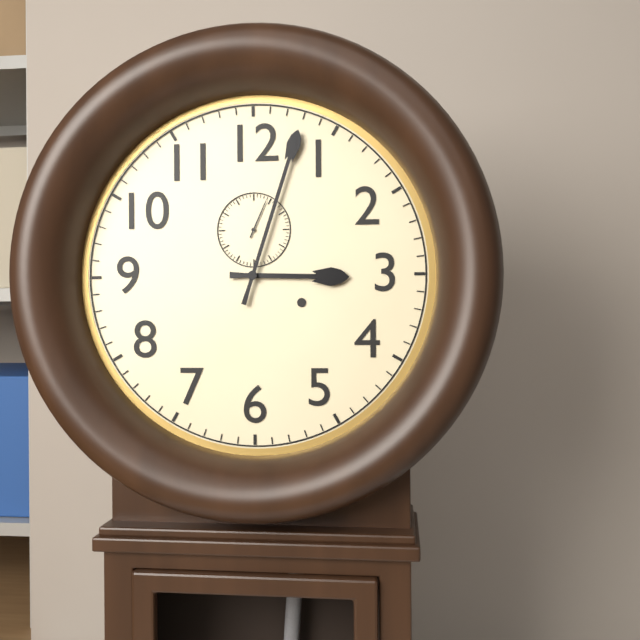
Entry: 3:03
